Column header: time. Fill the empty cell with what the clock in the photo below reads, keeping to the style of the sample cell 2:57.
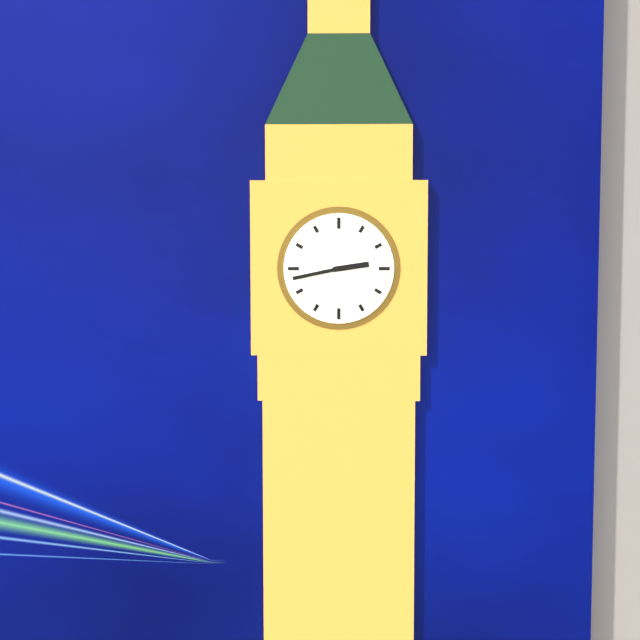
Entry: 2:43
